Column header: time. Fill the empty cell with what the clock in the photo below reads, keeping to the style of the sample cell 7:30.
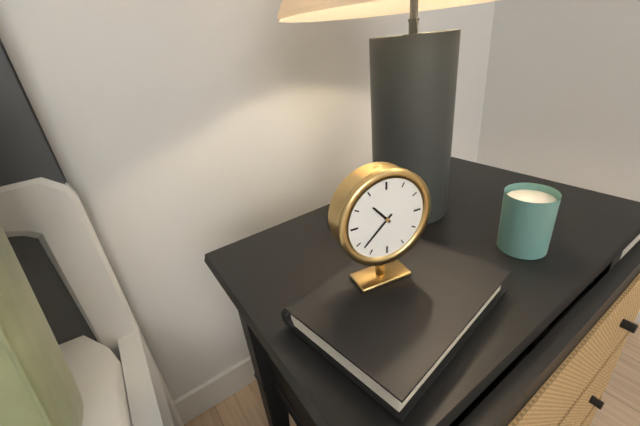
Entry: 10:38
